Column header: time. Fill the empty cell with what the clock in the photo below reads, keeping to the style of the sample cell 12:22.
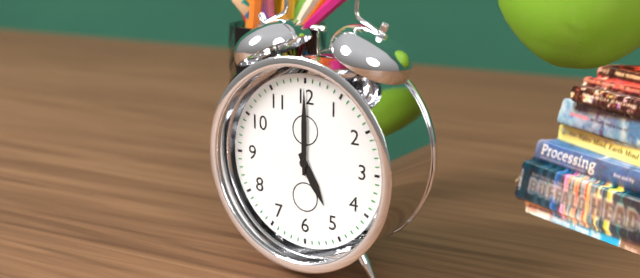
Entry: 5:00
